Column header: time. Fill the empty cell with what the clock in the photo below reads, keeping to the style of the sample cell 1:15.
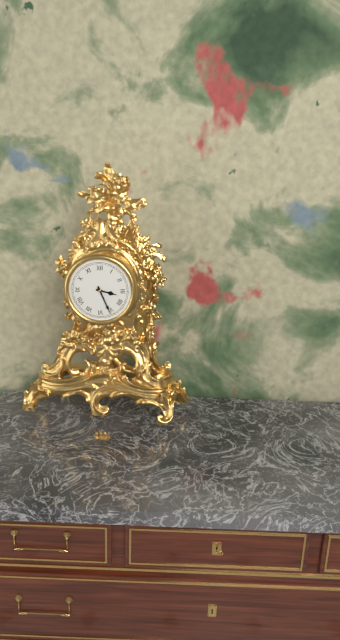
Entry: 3:26
